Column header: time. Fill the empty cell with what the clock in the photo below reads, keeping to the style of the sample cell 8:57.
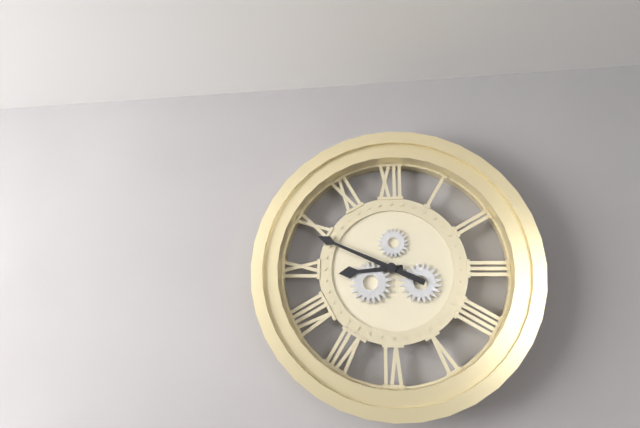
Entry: 8:49
